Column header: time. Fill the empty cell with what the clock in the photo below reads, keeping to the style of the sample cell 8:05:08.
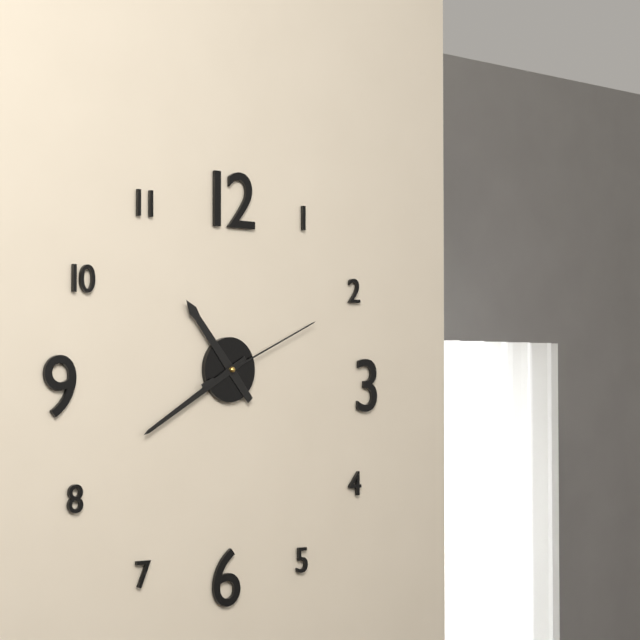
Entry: 10:40:11
